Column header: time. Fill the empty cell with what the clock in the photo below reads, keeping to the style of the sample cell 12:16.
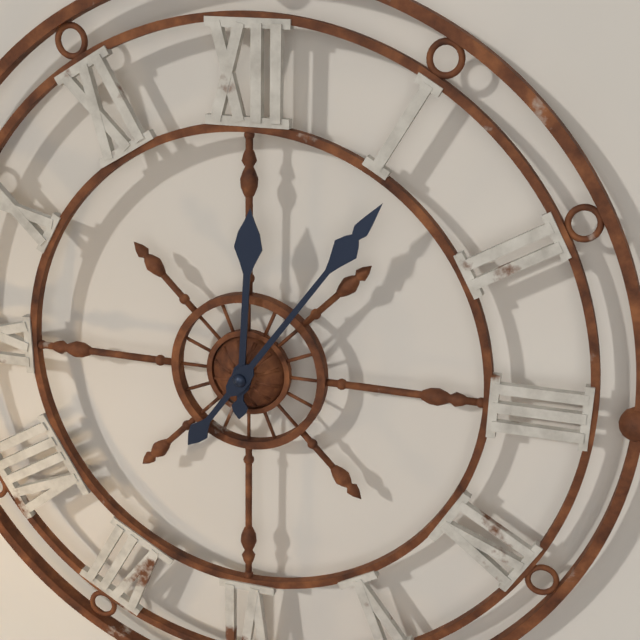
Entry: 12:06
